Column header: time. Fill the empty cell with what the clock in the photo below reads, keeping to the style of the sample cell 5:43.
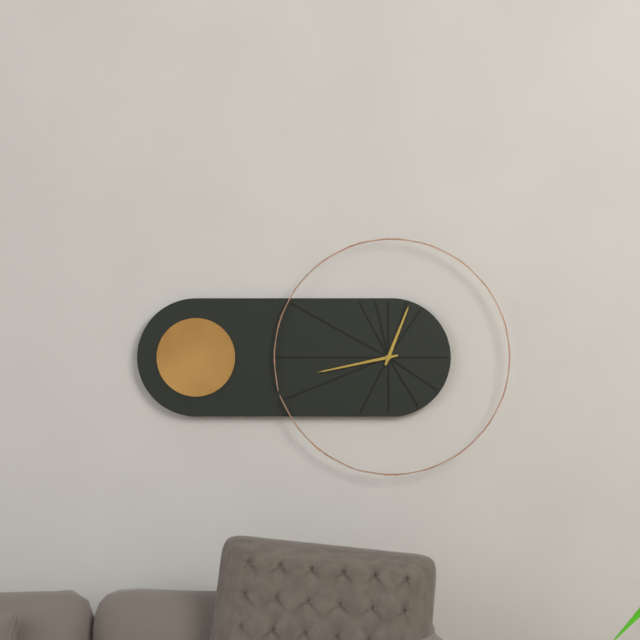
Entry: 12:43
